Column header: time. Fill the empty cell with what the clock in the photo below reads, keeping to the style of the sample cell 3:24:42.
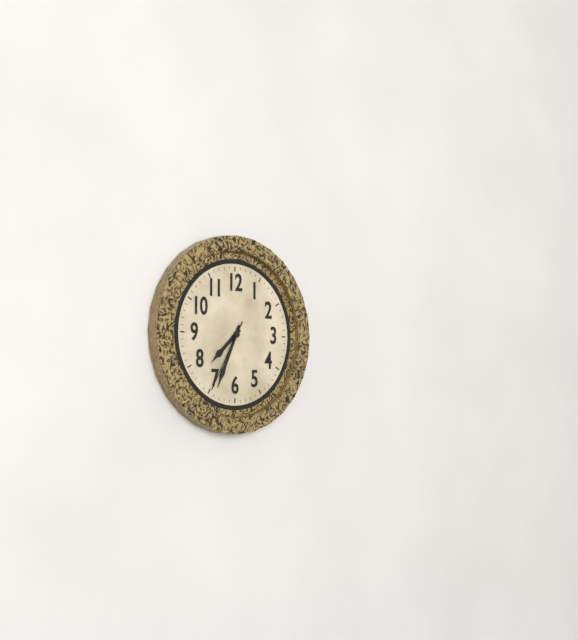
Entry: 7:34:35
